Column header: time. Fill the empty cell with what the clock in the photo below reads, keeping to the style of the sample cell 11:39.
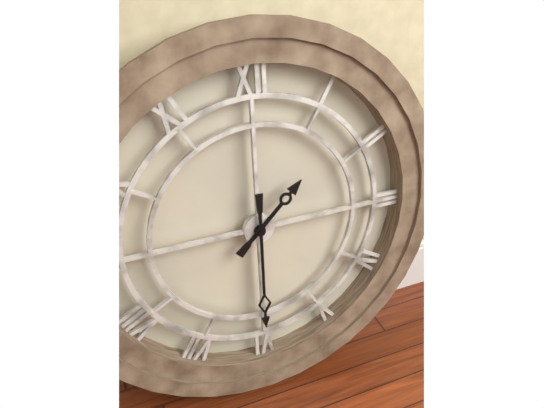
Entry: 1:30
